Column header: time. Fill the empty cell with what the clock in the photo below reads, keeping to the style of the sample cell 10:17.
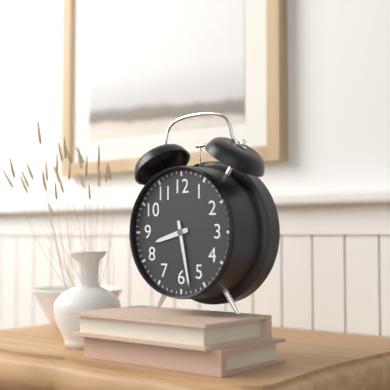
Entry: 8:28
